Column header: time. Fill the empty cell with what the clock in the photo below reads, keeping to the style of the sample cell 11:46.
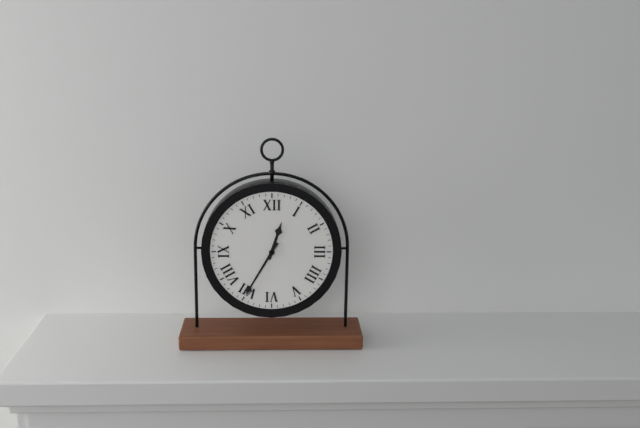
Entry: 12:35
